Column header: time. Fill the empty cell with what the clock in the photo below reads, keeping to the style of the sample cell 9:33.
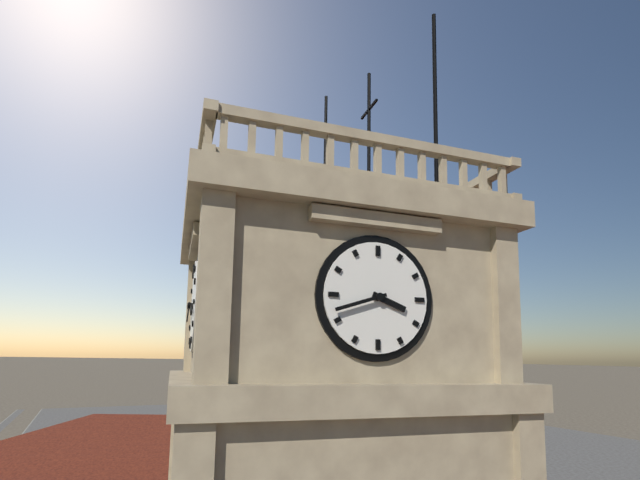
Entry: 3:42
